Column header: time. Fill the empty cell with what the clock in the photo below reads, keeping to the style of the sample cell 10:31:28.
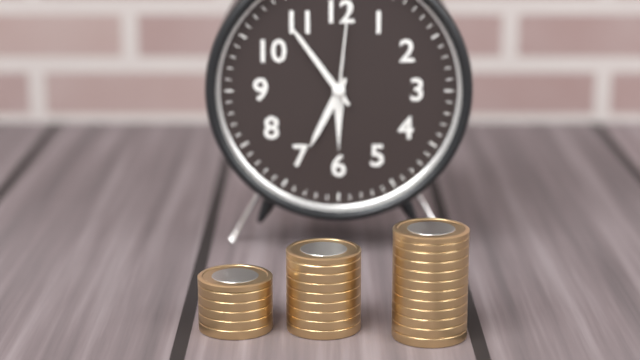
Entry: 6:54:01
